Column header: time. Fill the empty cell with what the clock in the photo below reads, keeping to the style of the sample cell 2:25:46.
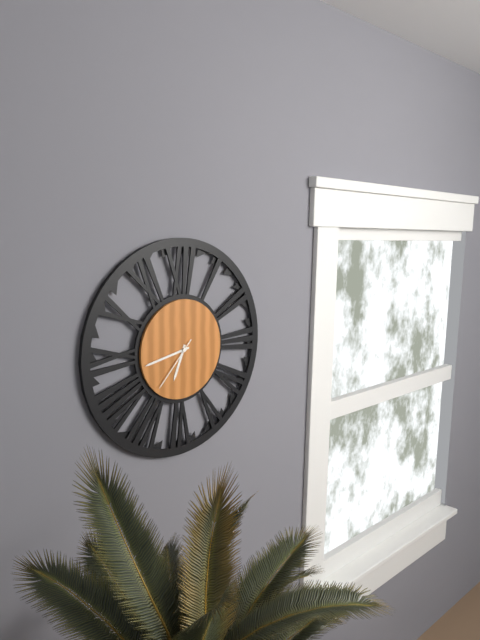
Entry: 6:43:37
